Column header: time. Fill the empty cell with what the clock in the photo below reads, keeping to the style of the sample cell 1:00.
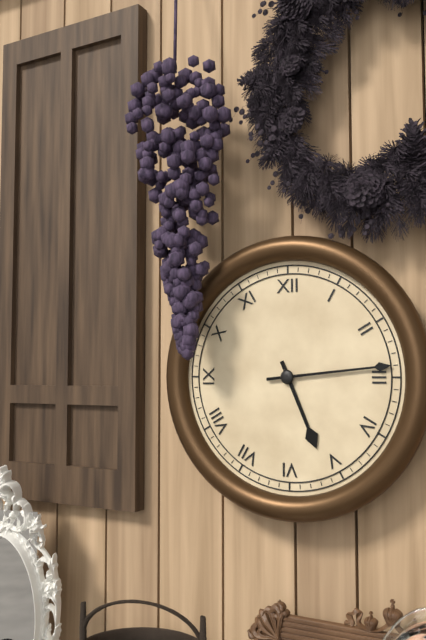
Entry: 5:14
